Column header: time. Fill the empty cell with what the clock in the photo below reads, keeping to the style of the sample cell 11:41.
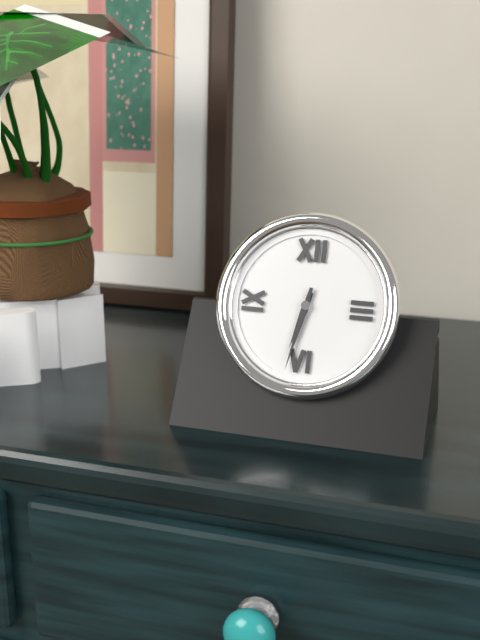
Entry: 6:32
